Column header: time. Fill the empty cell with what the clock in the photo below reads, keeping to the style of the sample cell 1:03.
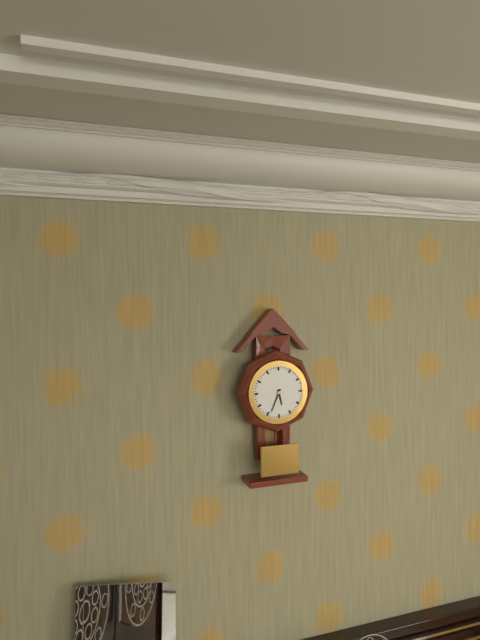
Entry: 5:34
